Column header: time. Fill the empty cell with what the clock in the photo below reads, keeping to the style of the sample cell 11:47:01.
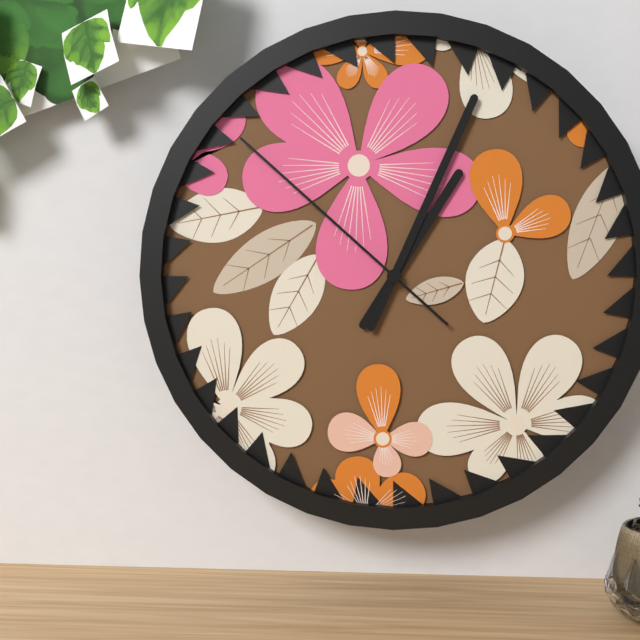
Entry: 1:04:52
